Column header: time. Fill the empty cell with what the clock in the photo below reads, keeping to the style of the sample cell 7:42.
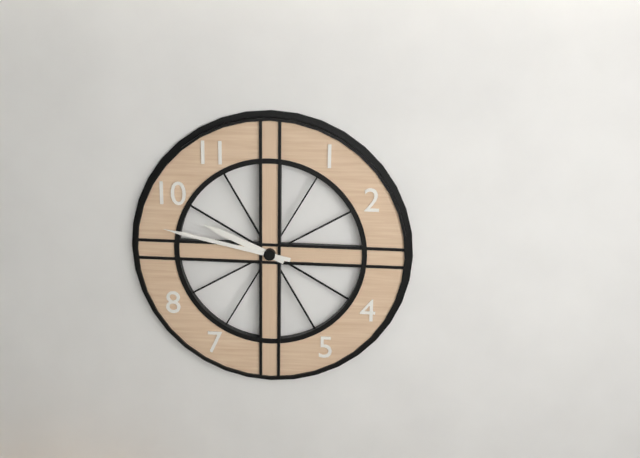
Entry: 9:47
